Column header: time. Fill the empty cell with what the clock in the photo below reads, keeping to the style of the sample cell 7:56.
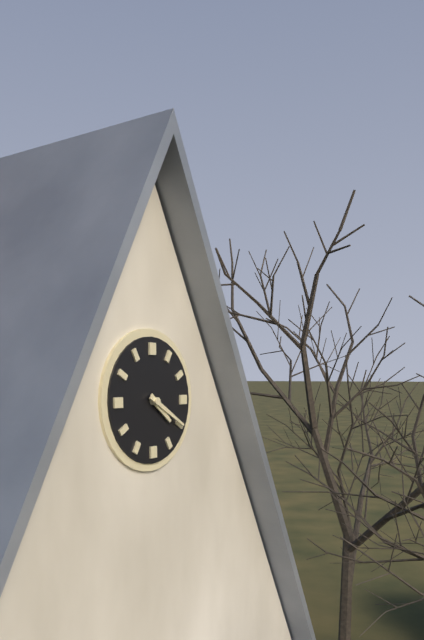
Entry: 4:20
